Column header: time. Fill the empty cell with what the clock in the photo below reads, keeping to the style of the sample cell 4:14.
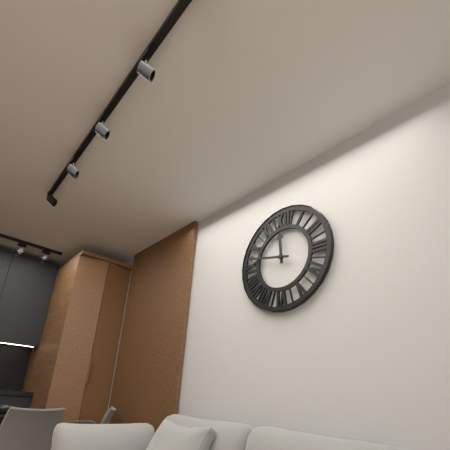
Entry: 11:47
